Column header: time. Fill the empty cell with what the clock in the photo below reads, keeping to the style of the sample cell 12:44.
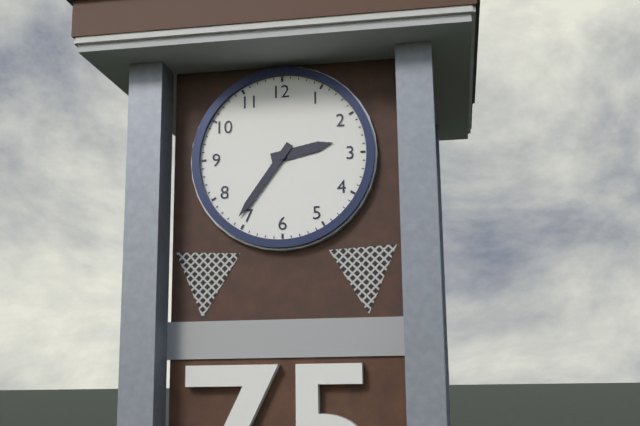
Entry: 2:36
